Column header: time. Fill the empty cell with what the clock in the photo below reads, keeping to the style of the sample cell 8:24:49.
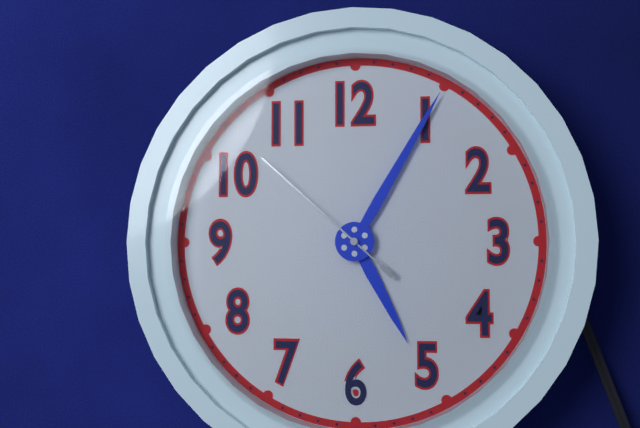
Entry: 5:05:52
